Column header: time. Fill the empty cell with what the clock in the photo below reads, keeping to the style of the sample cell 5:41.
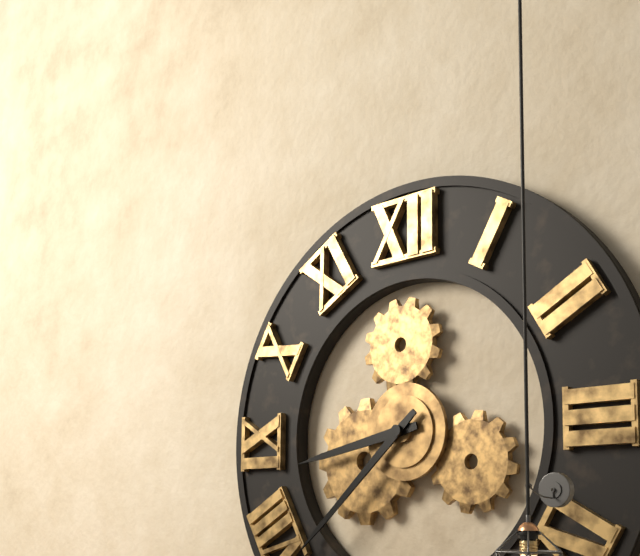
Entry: 8:38
